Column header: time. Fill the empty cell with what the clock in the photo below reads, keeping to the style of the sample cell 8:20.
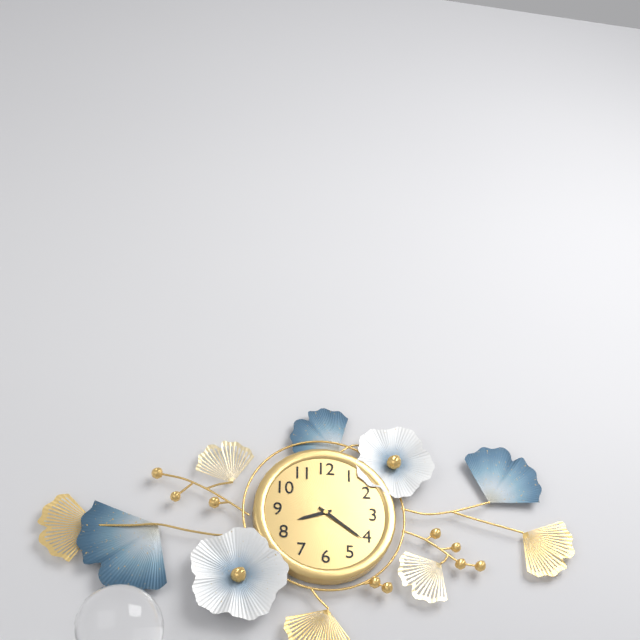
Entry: 8:21
